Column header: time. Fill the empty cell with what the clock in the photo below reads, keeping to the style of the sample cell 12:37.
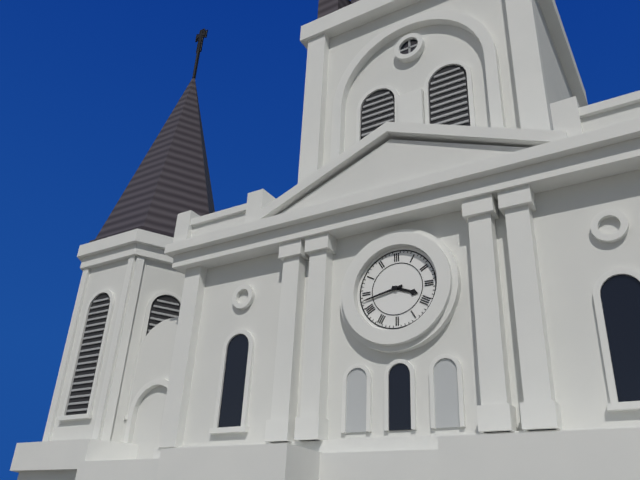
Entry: 3:43
